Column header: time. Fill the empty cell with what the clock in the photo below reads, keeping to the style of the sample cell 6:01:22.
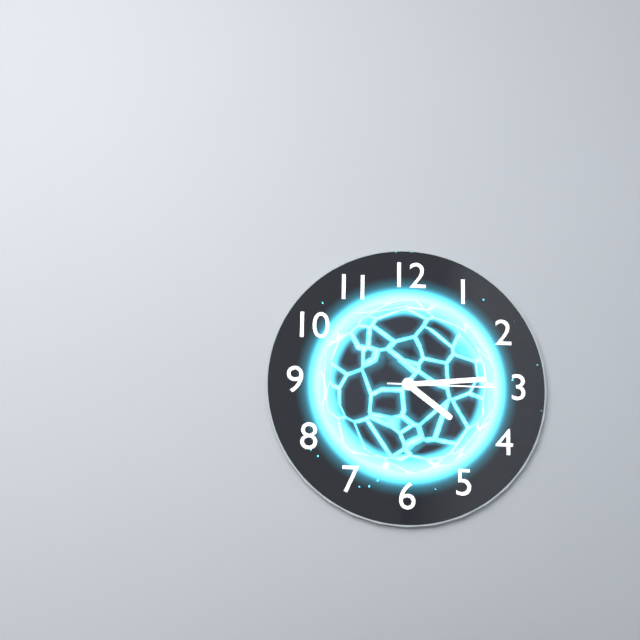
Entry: 4:14:15
